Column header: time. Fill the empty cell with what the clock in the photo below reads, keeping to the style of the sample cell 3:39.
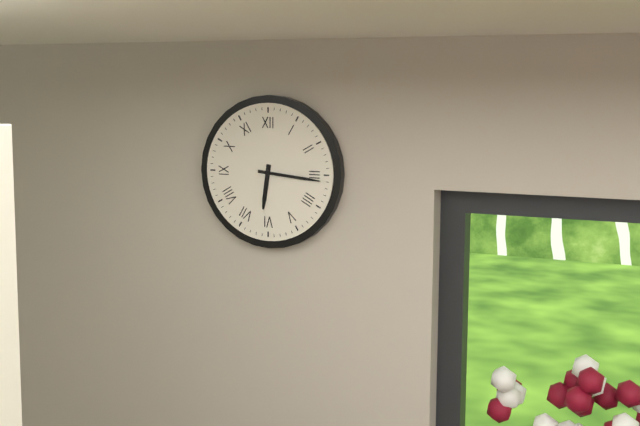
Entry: 6:16
